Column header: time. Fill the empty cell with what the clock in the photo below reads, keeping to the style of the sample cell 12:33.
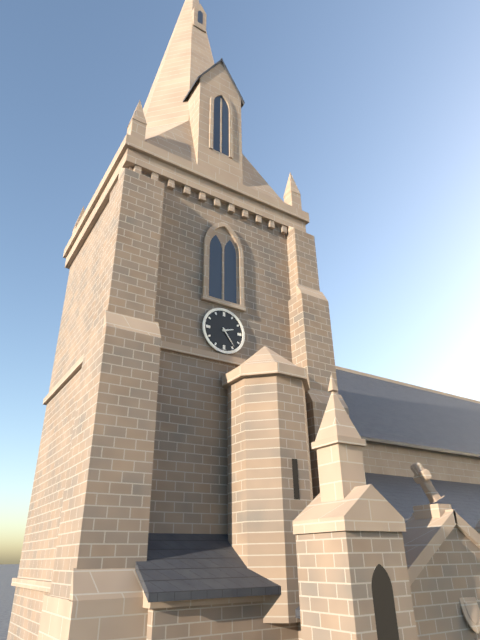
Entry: 2:24
